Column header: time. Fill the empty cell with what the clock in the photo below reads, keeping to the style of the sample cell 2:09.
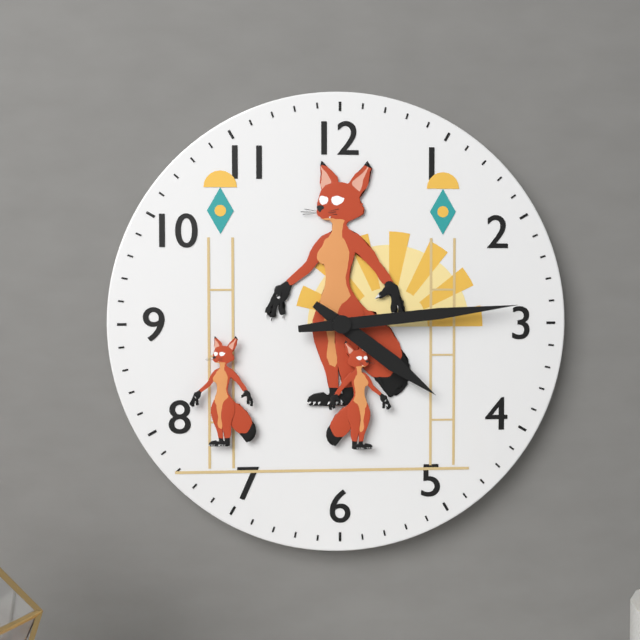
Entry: 4:14
